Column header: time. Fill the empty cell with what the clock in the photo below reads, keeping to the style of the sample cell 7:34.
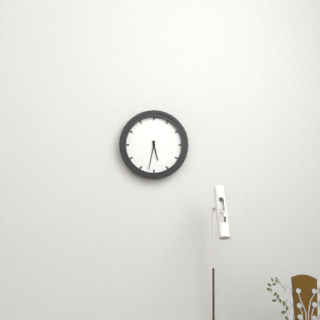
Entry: 5:32
